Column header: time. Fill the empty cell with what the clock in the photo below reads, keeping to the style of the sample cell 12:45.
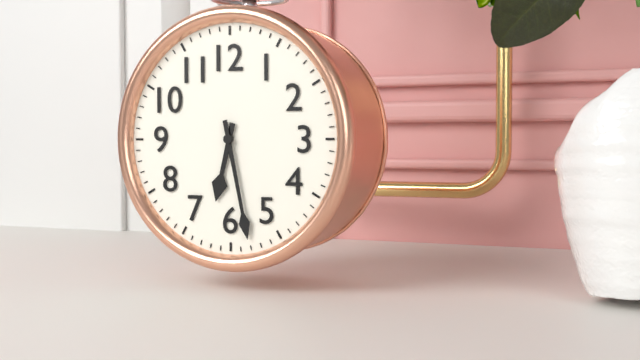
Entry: 6:28
